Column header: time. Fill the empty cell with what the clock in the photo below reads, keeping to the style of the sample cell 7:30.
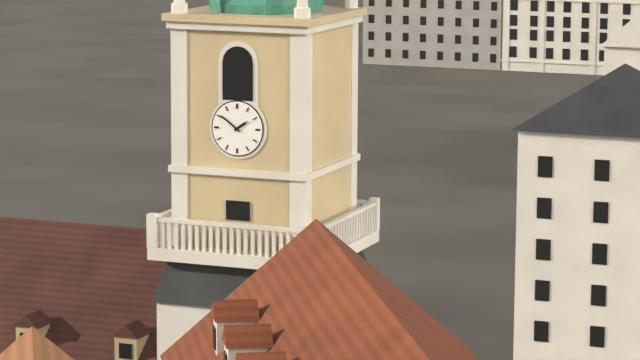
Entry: 1:51
